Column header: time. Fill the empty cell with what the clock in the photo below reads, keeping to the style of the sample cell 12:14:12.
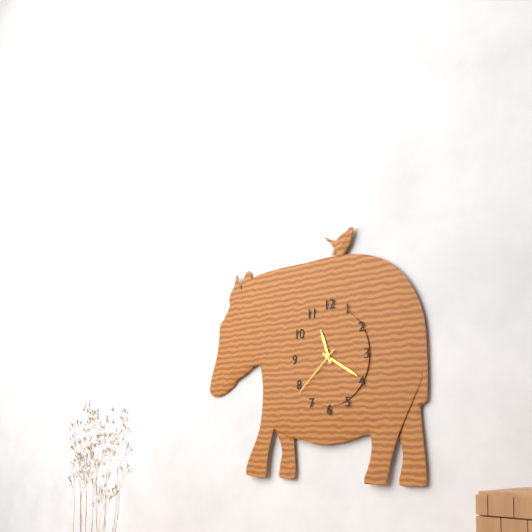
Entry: 11:20:38
